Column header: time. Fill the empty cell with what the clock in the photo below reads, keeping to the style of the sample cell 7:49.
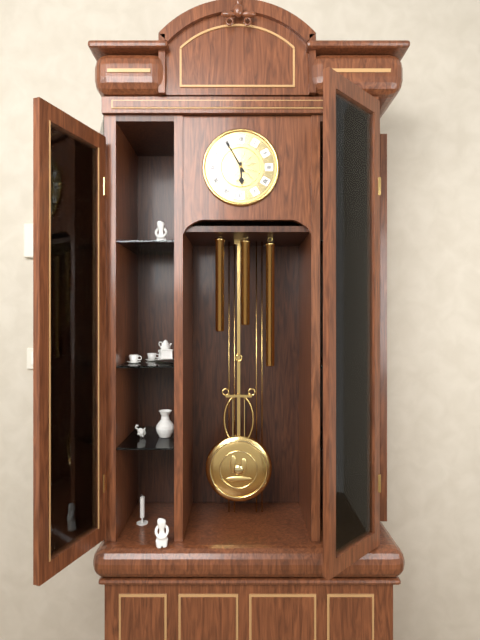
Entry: 5:55
